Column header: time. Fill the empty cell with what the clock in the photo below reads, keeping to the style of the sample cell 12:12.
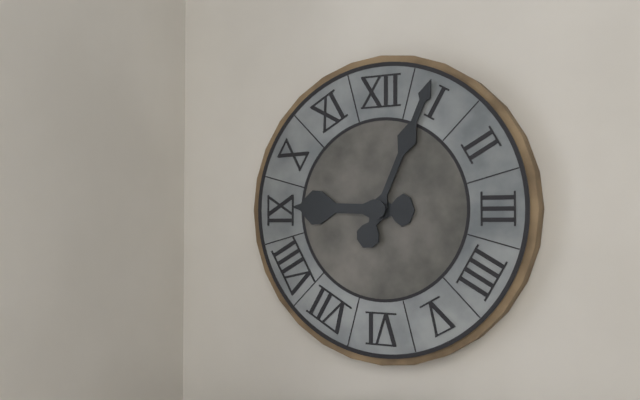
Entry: 9:04
